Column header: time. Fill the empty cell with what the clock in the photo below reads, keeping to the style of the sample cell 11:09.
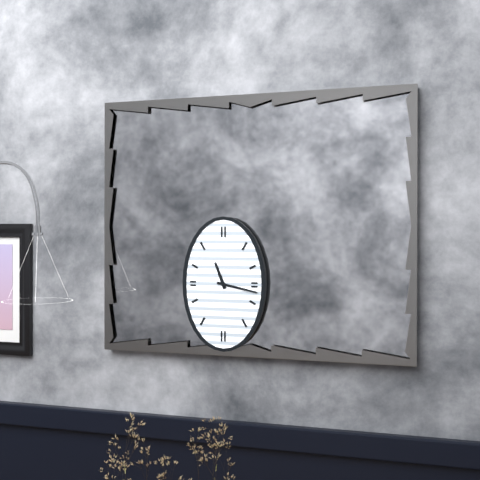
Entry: 11:17
